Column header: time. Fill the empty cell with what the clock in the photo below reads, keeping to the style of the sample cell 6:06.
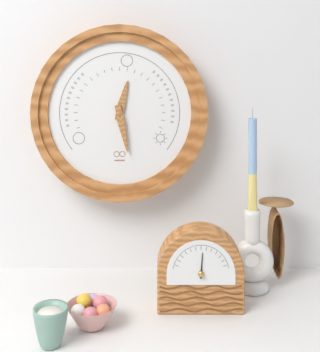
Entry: 12:28
